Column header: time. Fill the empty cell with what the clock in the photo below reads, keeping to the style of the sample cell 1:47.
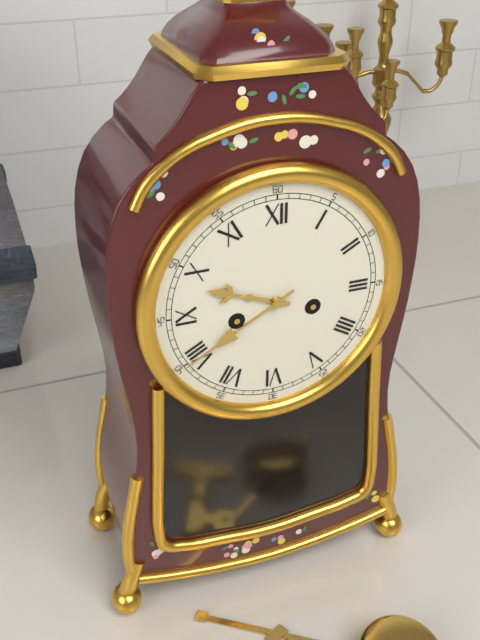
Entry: 9:40
